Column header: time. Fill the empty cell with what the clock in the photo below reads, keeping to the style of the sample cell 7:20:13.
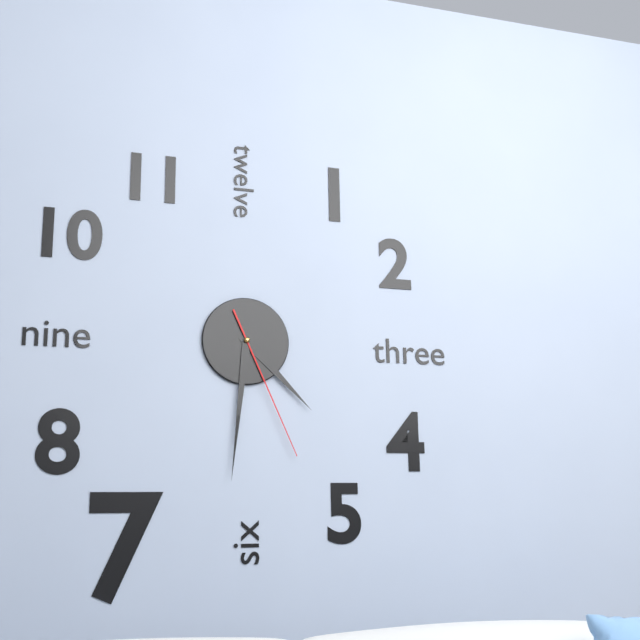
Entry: 4:31:26
